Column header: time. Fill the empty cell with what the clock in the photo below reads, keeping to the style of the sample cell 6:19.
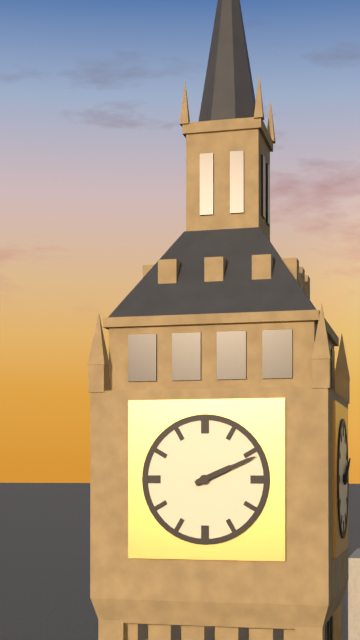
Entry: 2:11
